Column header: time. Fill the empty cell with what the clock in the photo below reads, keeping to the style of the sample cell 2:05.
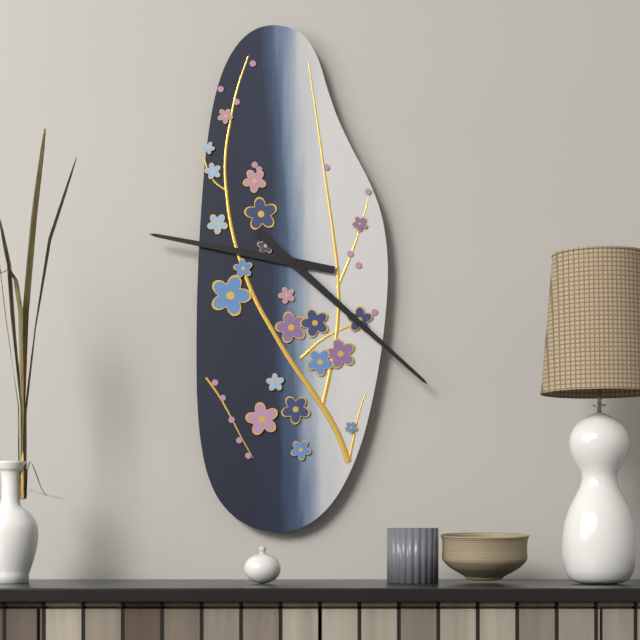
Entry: 9:22
